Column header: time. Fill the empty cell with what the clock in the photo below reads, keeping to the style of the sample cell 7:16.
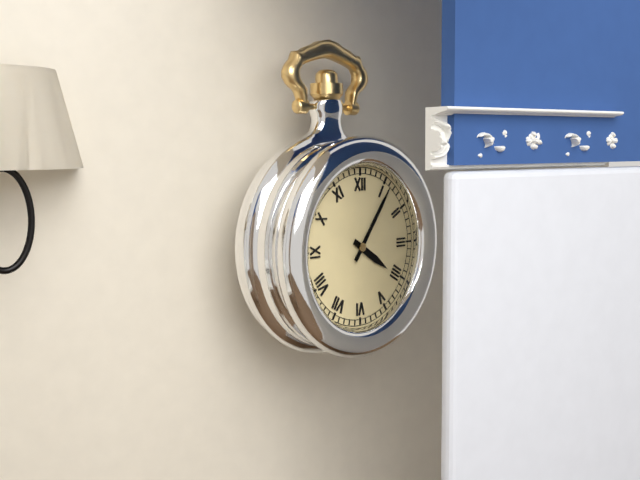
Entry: 4:06
